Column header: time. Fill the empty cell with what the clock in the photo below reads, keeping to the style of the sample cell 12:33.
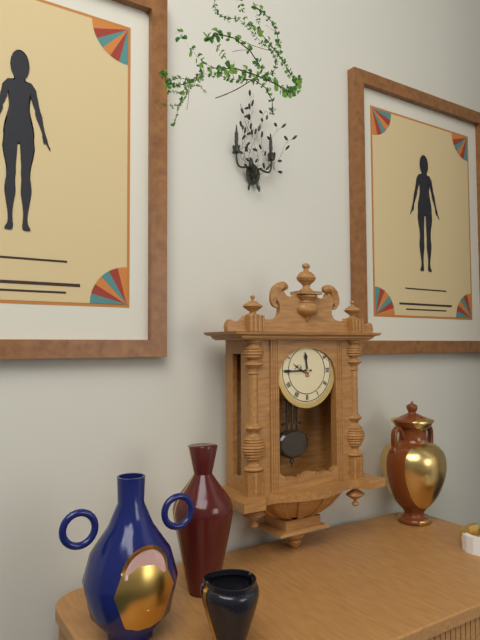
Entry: 11:45
